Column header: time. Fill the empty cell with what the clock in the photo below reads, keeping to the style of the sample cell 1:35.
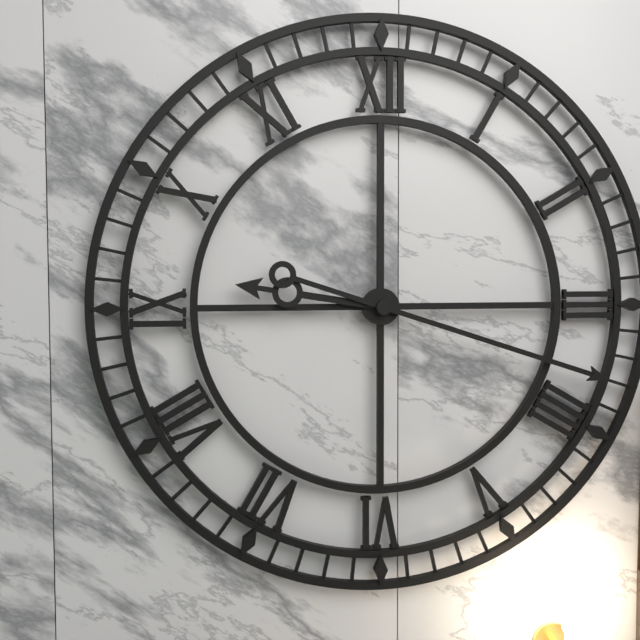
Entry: 9:18
